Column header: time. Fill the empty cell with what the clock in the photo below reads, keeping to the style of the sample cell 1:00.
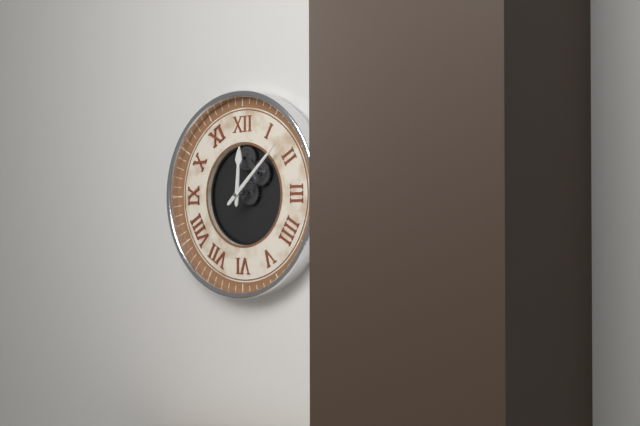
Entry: 12:08
